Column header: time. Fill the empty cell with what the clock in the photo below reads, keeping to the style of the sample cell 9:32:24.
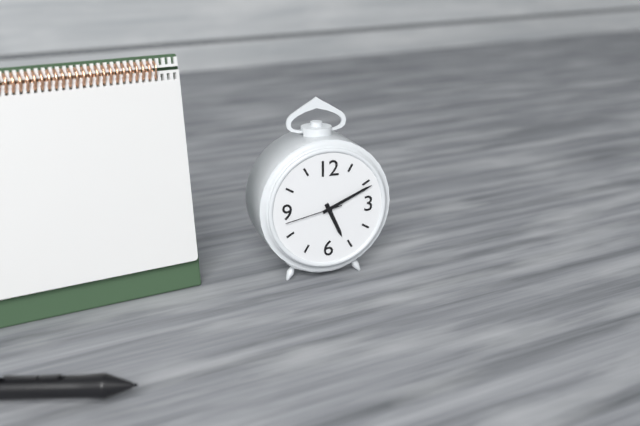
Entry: 5:11:43
